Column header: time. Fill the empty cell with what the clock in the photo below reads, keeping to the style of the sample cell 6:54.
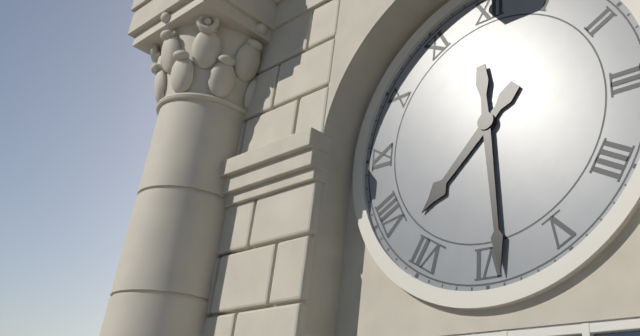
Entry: 7:29
